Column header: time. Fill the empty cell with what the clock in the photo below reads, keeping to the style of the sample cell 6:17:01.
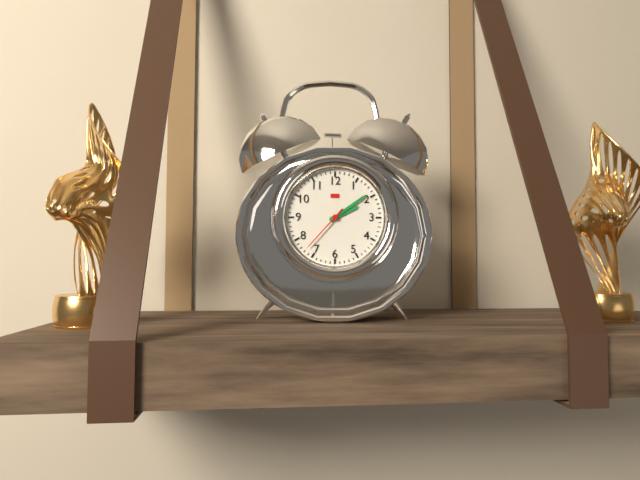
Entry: 2:09:37
